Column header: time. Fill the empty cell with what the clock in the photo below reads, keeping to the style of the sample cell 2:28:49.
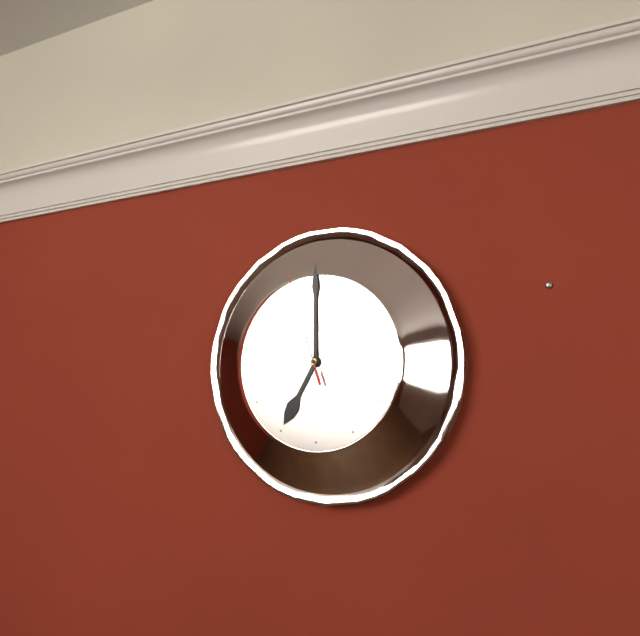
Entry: 7:00:57
